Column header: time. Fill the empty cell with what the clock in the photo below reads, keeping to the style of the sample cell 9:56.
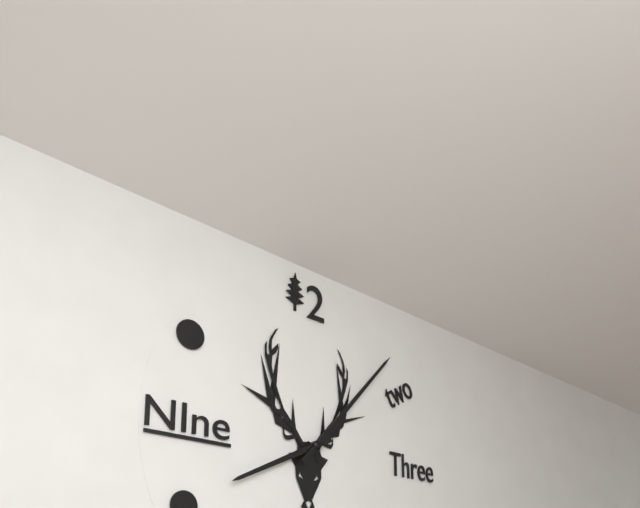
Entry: 8:07
